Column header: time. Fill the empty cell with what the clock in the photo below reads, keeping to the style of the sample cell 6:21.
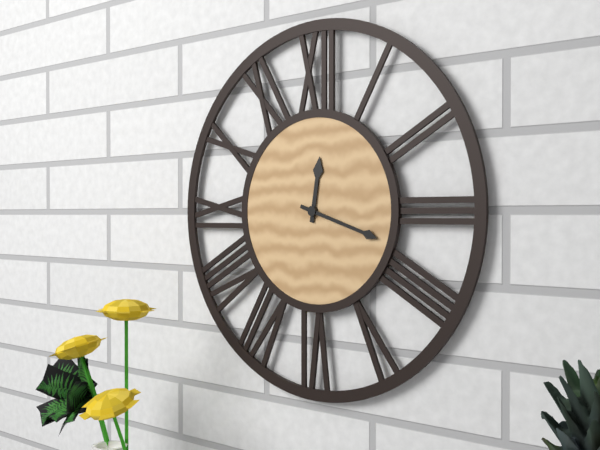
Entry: 12:18
